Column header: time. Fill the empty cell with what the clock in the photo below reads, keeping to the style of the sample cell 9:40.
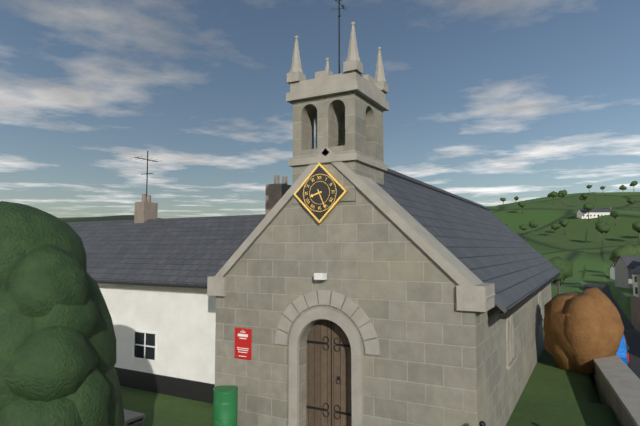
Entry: 8:26
